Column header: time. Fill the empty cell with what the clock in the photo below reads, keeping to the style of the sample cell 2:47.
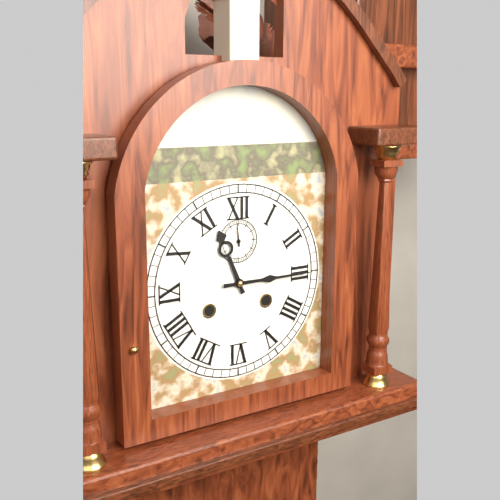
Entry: 11:15
